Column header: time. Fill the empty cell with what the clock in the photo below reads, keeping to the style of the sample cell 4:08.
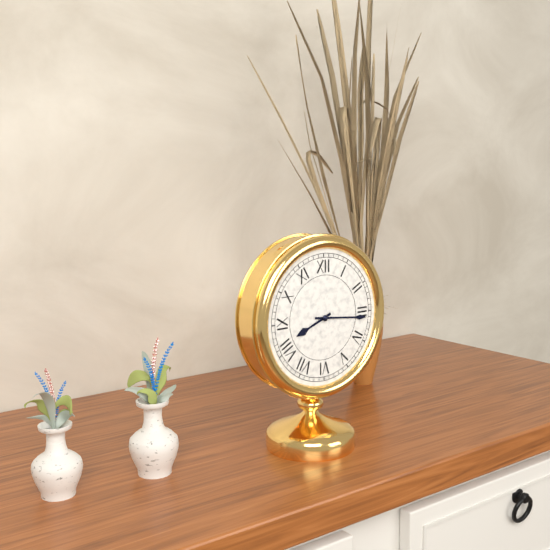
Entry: 8:16
